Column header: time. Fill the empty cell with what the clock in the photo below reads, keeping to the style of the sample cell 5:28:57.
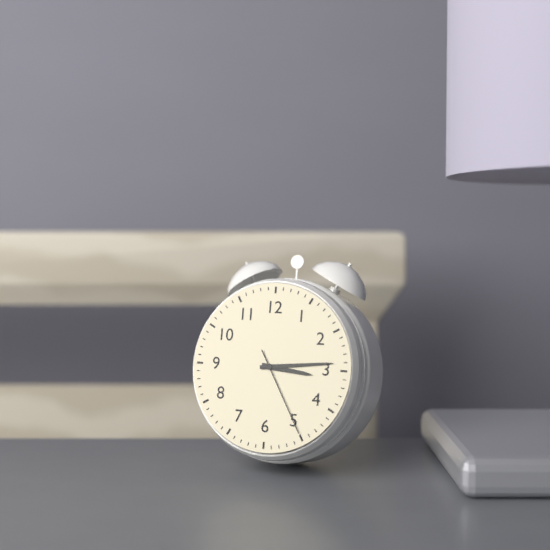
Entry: 3:14:25
